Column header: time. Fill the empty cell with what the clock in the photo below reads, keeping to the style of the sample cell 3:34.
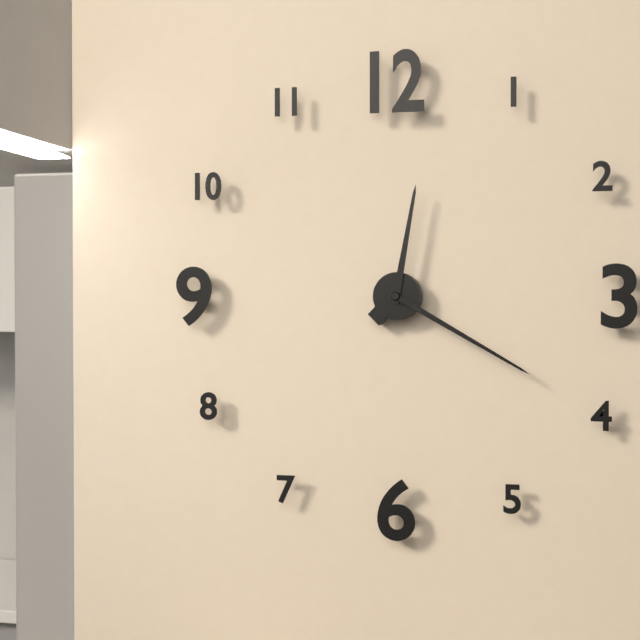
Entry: 12:20
